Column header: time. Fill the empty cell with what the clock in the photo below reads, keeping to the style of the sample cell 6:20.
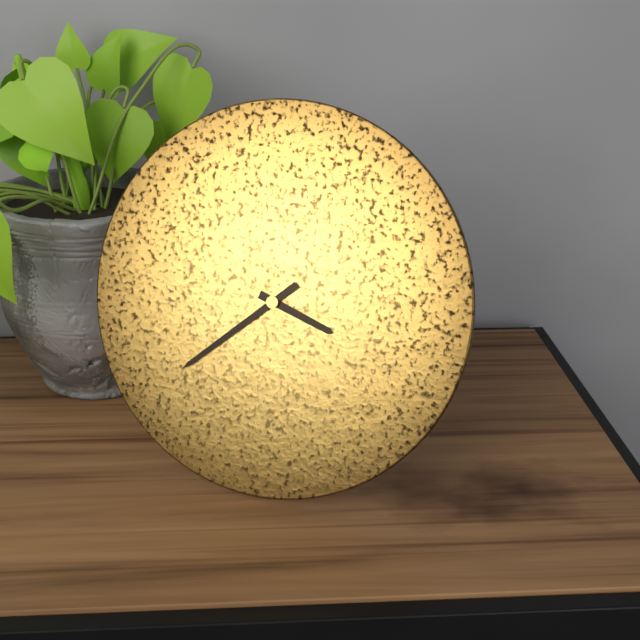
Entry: 3:38
